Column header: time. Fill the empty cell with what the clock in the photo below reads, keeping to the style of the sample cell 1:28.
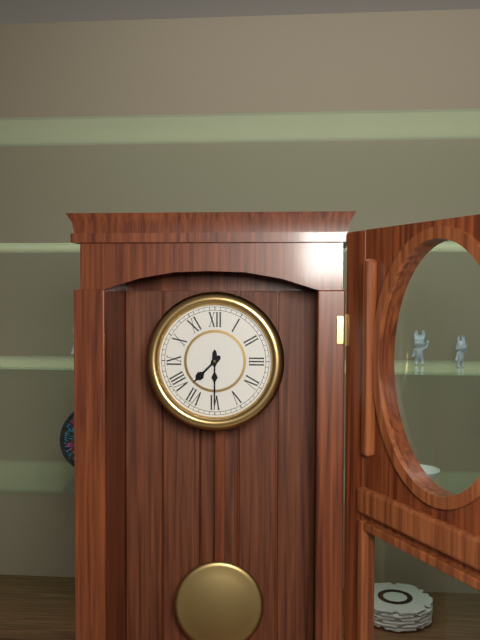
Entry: 7:30
